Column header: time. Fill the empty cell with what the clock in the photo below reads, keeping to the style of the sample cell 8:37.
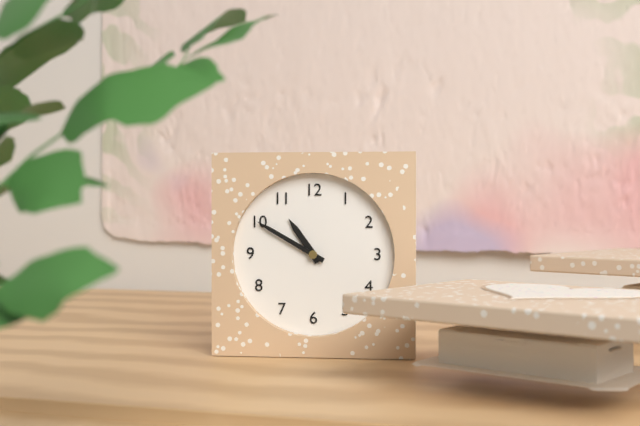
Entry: 10:50
